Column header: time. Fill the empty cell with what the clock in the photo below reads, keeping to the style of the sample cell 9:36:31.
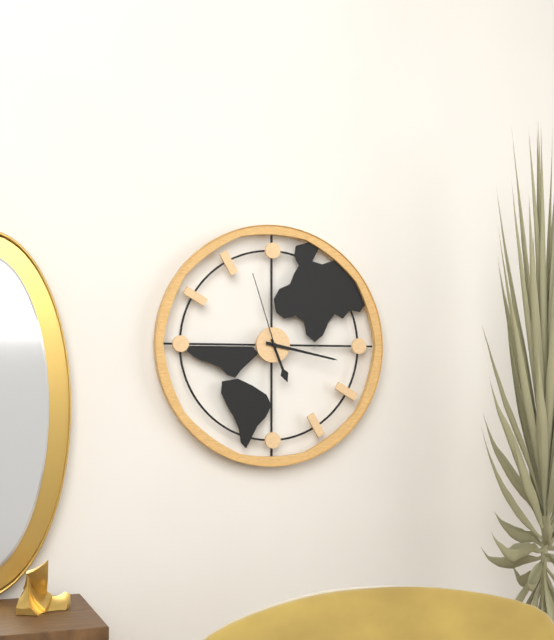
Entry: 5:17:57
